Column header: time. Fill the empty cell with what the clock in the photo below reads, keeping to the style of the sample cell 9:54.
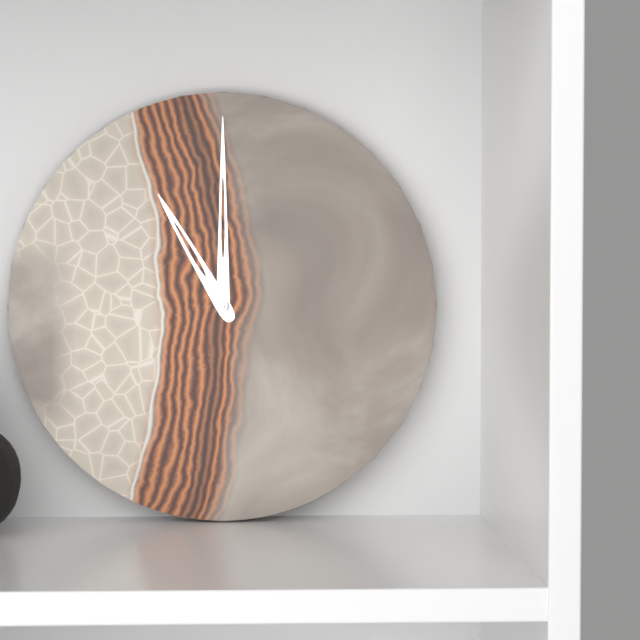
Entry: 11:00
